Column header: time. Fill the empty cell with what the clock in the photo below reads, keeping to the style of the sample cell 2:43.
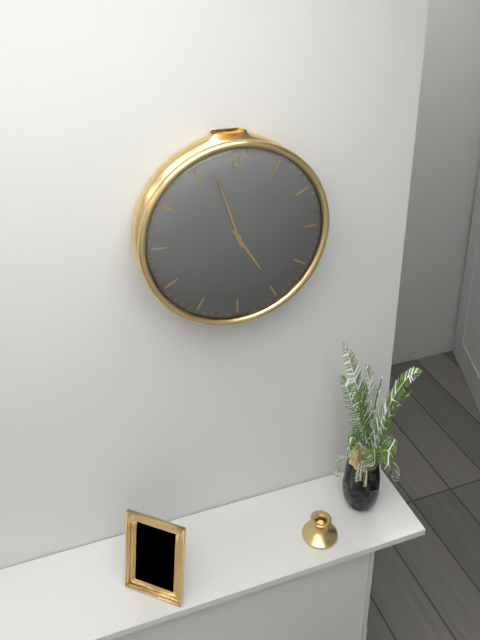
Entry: 4:57
